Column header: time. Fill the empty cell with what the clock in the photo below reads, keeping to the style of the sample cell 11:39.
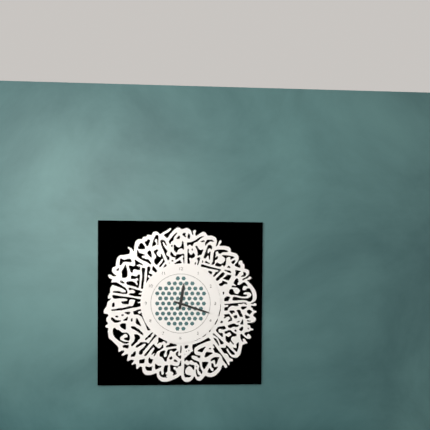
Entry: 12:18
